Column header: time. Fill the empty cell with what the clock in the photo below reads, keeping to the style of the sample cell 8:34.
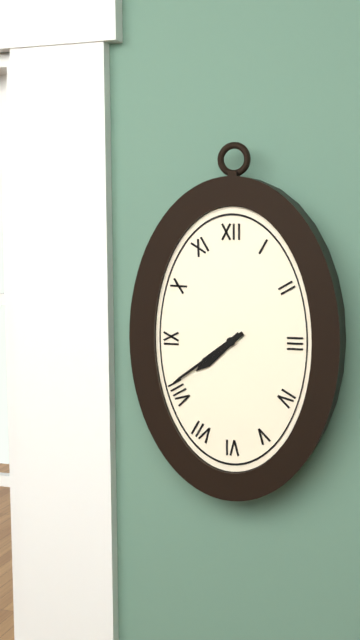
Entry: 7:39
